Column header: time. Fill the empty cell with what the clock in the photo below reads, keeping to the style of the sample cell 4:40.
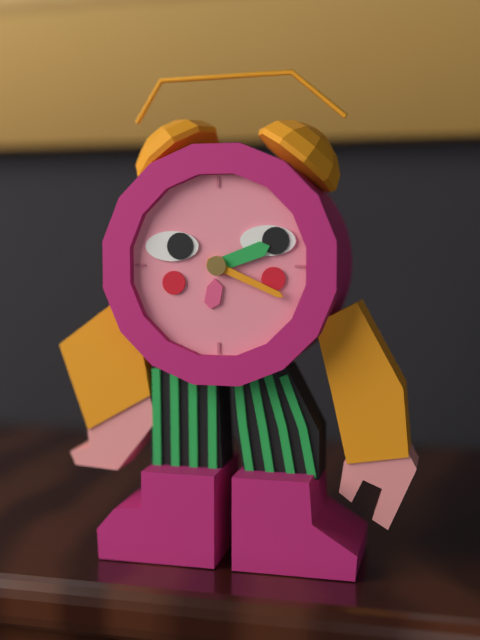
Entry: 2:19
